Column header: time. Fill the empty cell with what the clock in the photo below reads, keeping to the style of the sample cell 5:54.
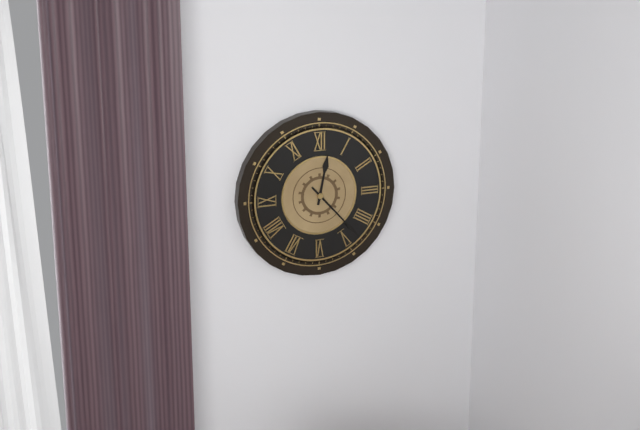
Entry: 12:23
